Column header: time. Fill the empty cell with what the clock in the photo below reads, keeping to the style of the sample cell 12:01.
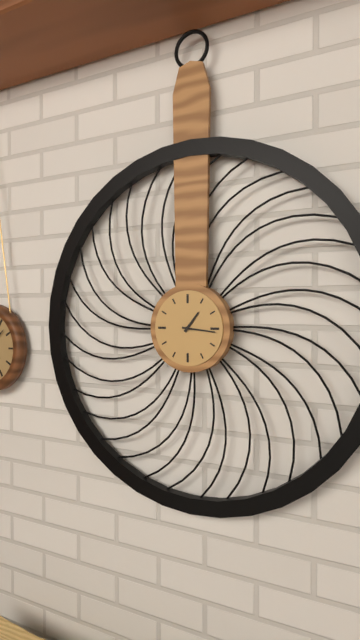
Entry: 1:16
